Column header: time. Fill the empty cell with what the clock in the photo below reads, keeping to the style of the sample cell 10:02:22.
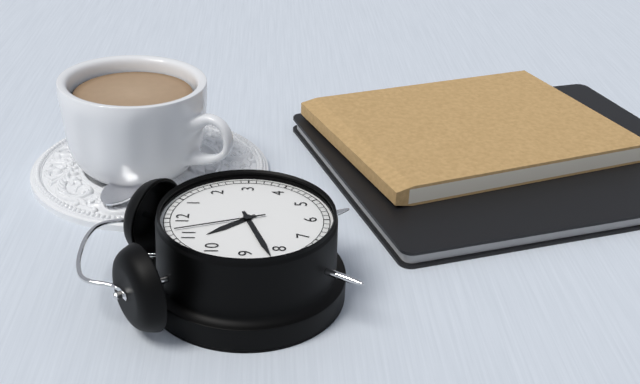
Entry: 10:42:57
